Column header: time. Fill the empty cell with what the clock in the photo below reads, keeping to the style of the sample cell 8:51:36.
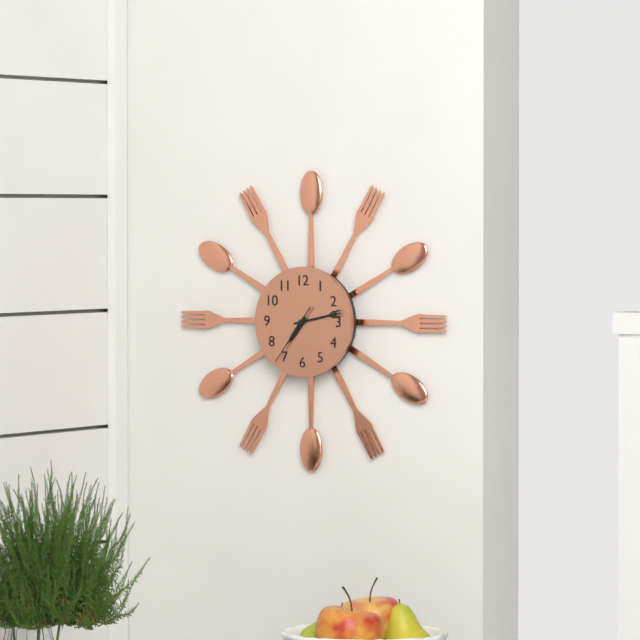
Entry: 7:13:36
